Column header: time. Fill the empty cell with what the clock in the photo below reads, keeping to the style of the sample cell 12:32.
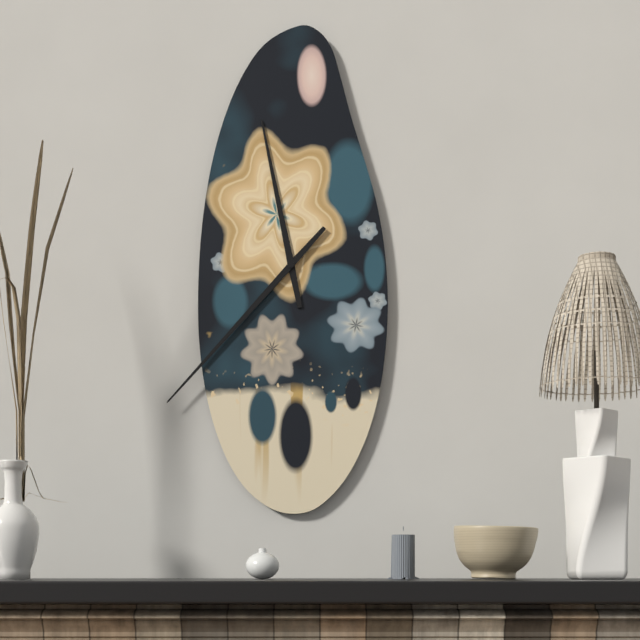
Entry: 11:37
